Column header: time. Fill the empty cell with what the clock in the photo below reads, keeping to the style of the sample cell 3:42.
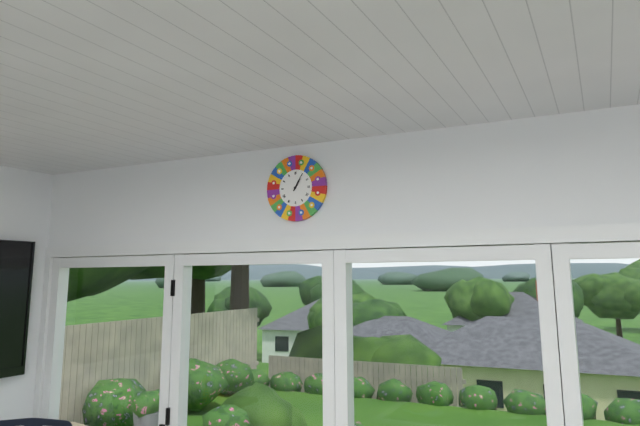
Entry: 1:05
